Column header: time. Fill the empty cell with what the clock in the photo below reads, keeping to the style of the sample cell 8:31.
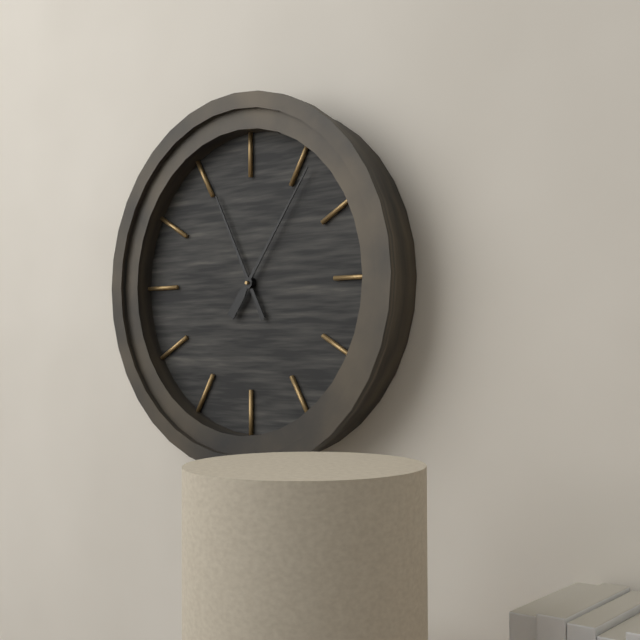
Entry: 11:06
